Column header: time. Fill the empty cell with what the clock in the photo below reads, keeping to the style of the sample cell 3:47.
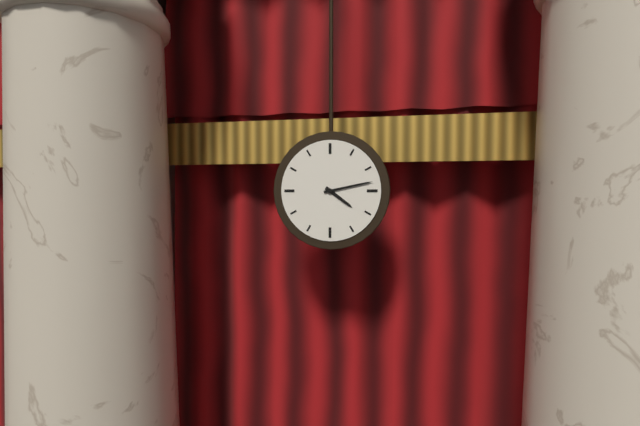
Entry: 4:13
